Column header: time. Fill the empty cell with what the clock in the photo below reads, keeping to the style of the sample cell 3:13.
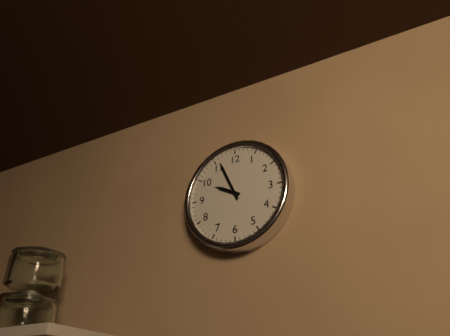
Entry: 9:56
